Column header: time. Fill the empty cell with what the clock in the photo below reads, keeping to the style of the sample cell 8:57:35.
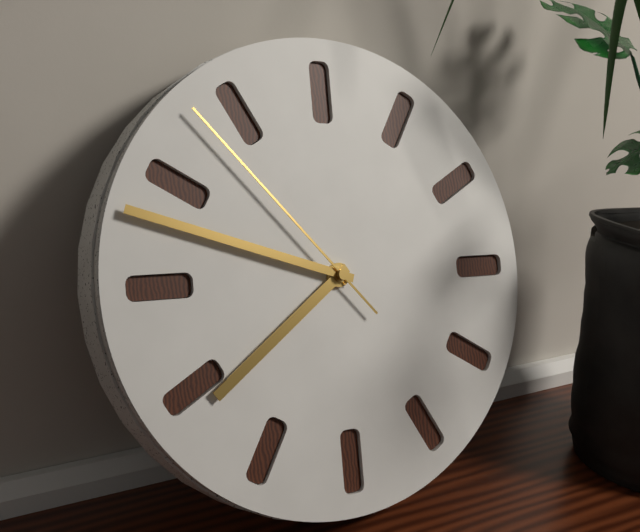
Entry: 7:48:53
